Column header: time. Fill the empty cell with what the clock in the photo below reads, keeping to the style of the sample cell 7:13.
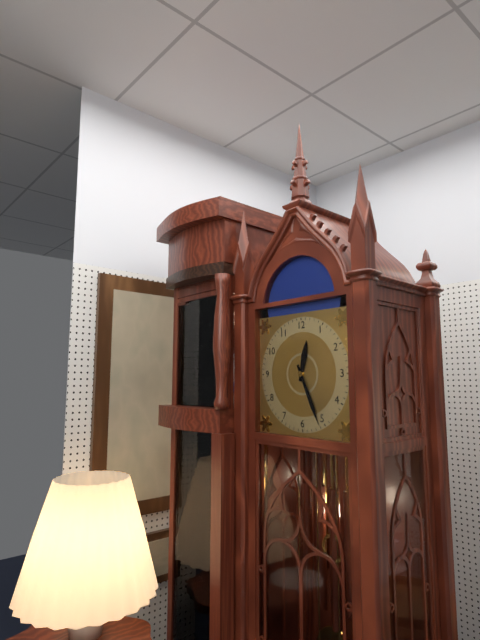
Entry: 12:26
